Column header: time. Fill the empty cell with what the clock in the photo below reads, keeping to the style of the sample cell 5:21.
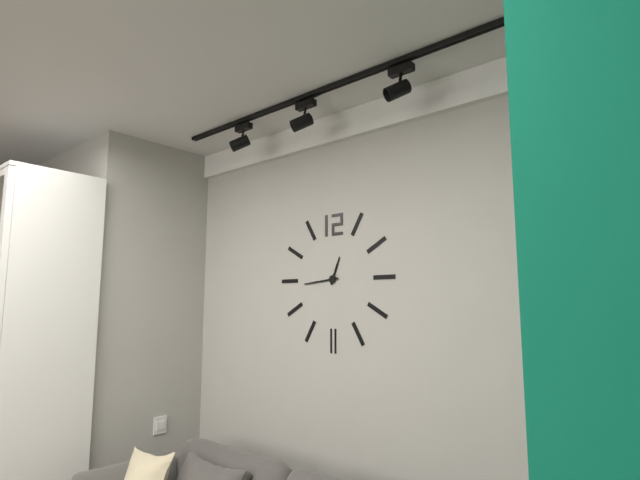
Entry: 12:44
